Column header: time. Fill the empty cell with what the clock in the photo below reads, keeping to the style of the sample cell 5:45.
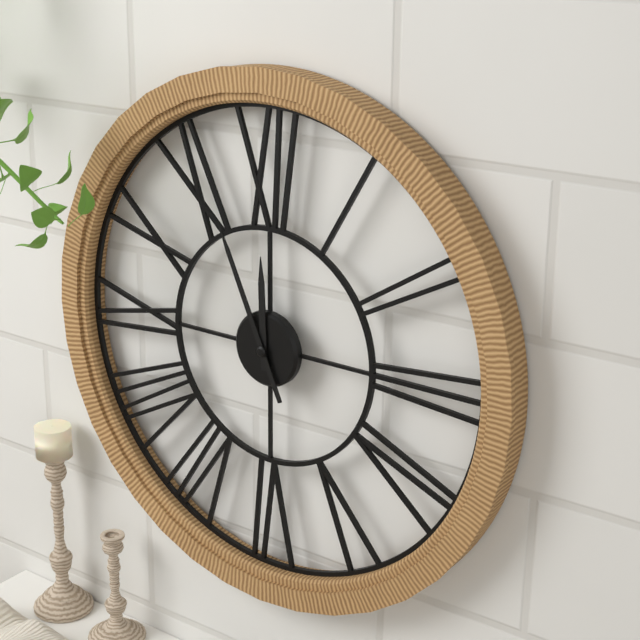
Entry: 11:56
